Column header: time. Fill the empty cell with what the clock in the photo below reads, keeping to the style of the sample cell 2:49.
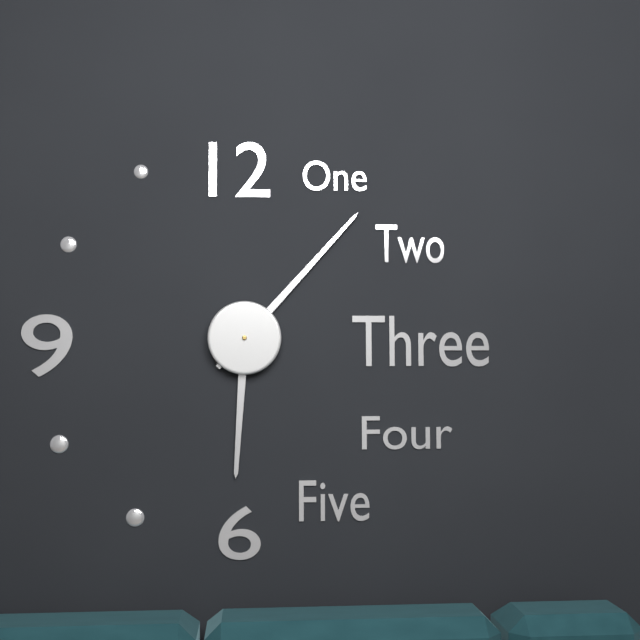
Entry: 6:07
